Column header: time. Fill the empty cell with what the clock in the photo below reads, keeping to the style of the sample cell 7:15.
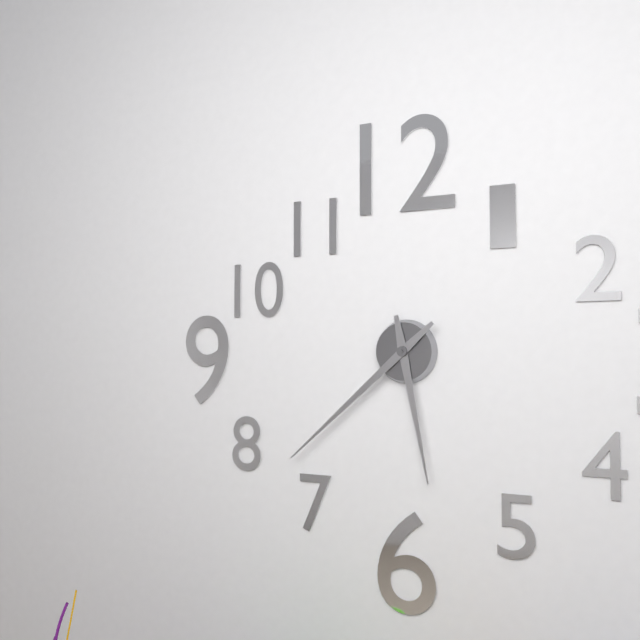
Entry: 5:38
